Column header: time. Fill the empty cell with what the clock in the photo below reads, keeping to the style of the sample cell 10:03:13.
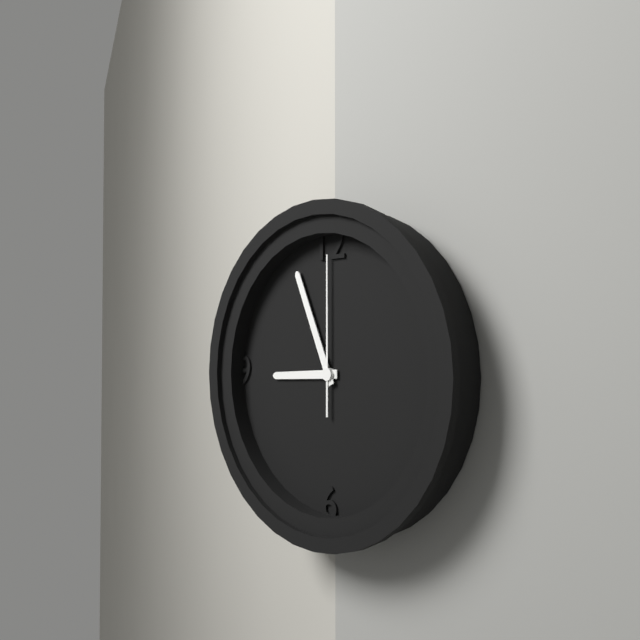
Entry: 8:56:00
